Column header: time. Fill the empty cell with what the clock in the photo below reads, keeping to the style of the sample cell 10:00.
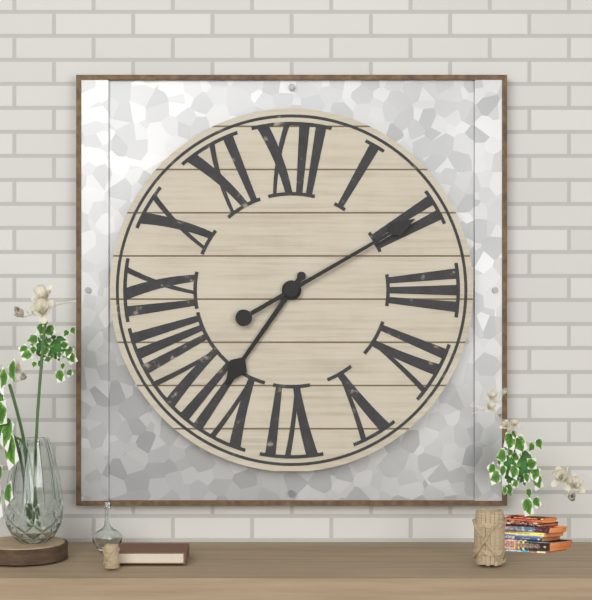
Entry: 7:10
